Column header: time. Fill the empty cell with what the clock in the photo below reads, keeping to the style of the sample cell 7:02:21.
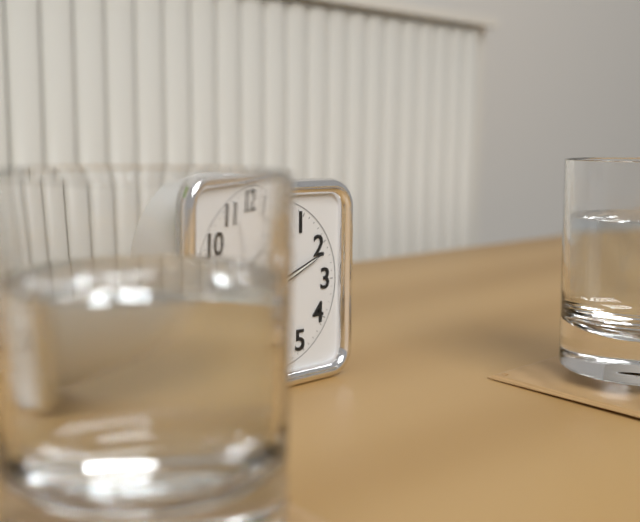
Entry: 7:11:56
